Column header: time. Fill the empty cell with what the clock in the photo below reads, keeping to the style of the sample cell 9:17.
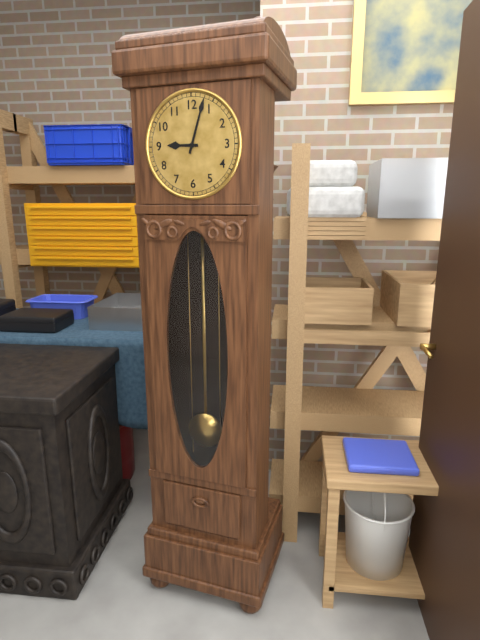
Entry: 9:03
